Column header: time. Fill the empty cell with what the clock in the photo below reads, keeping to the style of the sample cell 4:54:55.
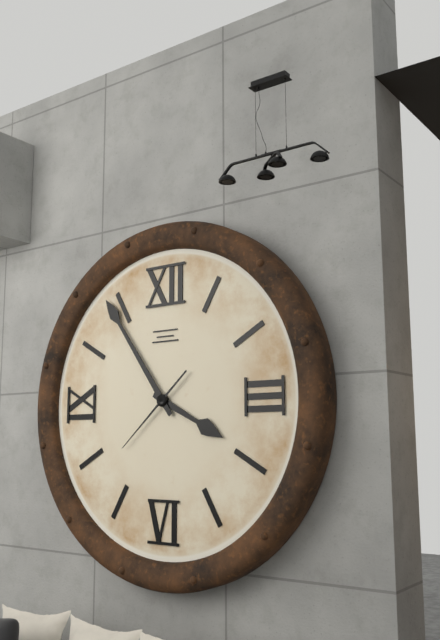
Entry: 3:54:38
